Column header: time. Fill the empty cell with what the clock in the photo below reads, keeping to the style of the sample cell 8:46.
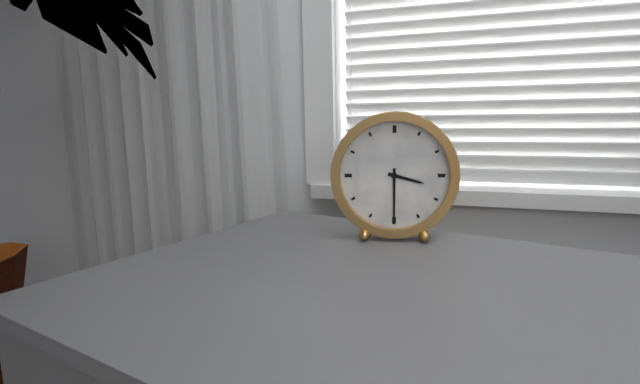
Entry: 3:30
